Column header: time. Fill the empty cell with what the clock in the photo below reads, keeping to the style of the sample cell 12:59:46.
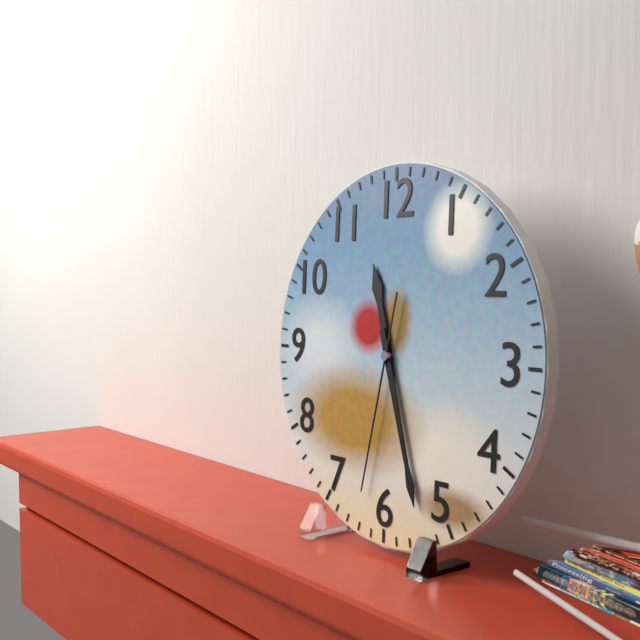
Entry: 11:27:32
